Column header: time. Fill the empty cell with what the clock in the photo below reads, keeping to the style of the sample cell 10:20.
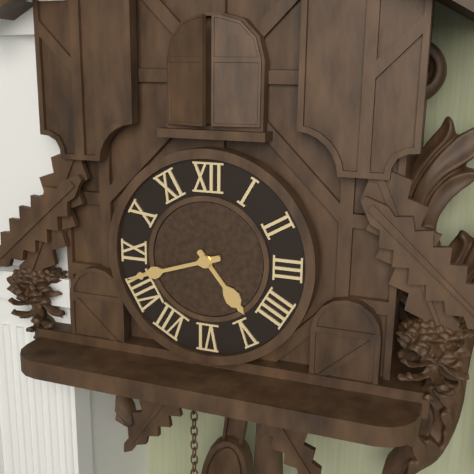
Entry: 4:42
